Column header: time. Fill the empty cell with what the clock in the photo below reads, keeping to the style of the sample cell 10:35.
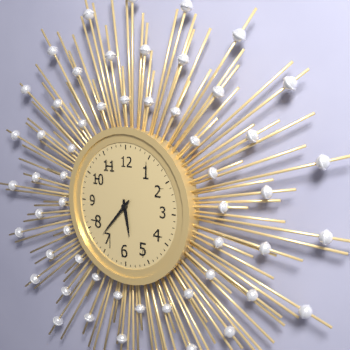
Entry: 5:37
